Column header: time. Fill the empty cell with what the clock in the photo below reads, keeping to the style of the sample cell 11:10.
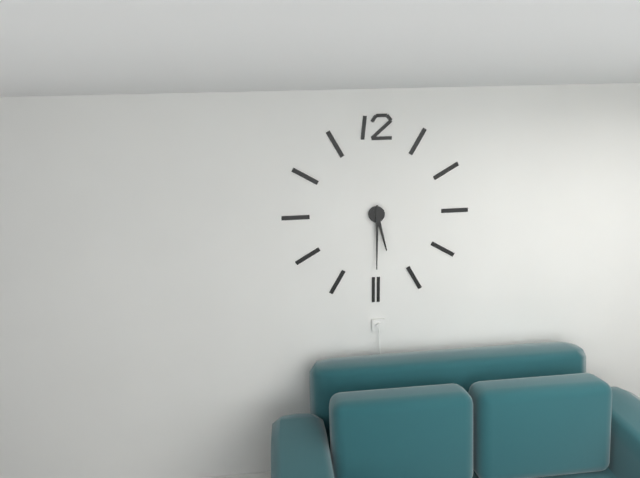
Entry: 5:30
